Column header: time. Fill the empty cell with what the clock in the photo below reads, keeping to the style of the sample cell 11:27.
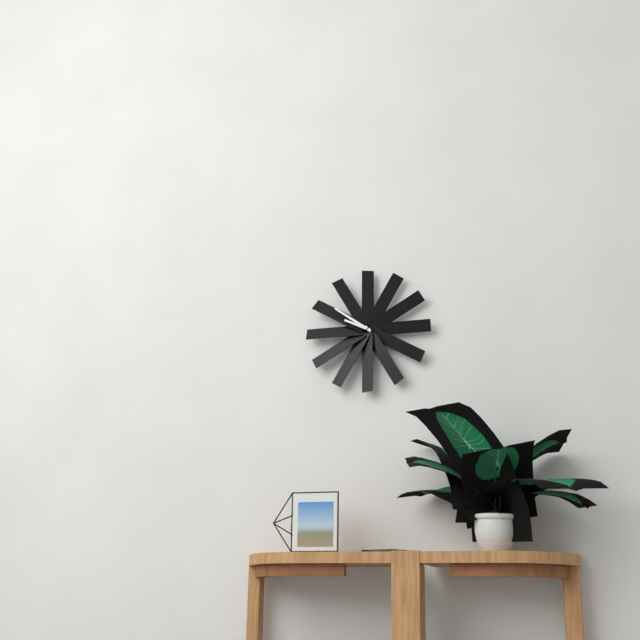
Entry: 9:51
